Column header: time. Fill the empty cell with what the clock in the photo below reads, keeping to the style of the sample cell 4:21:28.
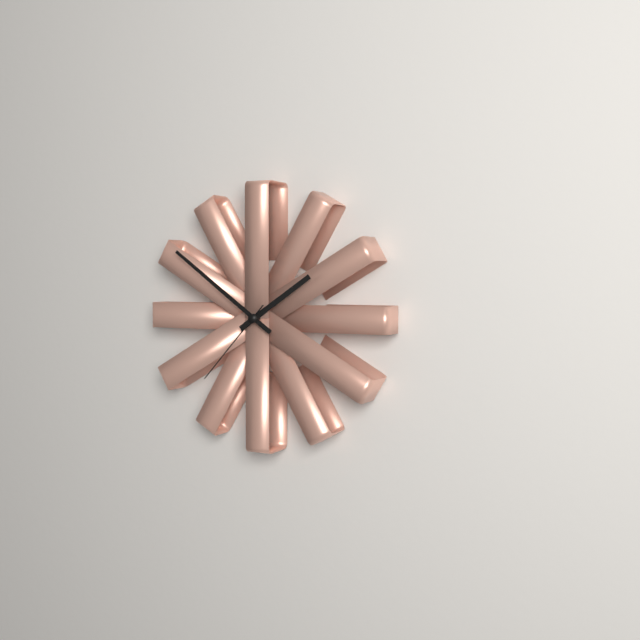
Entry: 1:51:37
